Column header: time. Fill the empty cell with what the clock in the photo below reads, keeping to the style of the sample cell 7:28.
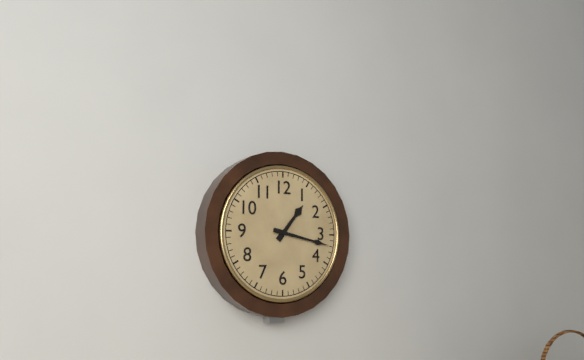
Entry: 1:17
